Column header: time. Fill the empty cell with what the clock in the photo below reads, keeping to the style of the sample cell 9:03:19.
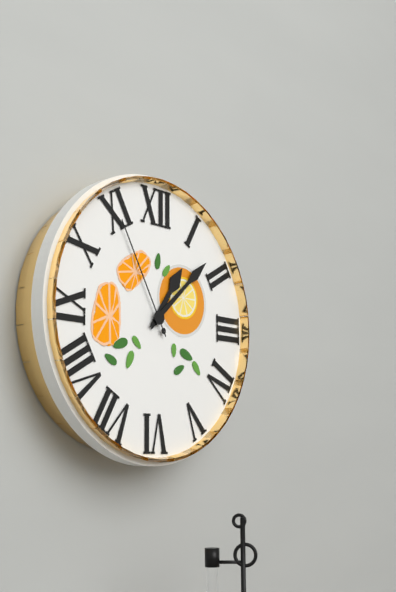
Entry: 1:08:55
